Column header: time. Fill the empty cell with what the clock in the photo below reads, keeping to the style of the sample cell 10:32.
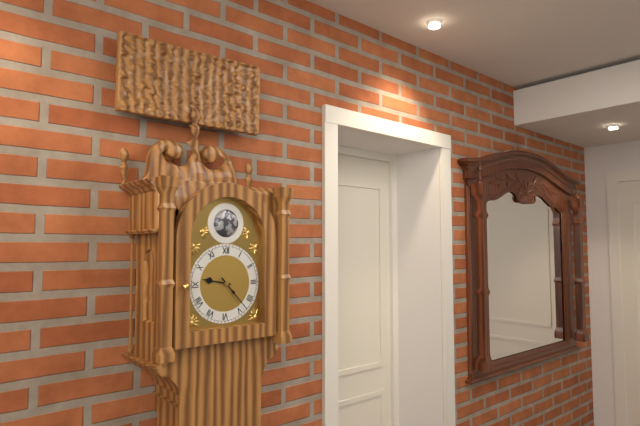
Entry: 9:23
